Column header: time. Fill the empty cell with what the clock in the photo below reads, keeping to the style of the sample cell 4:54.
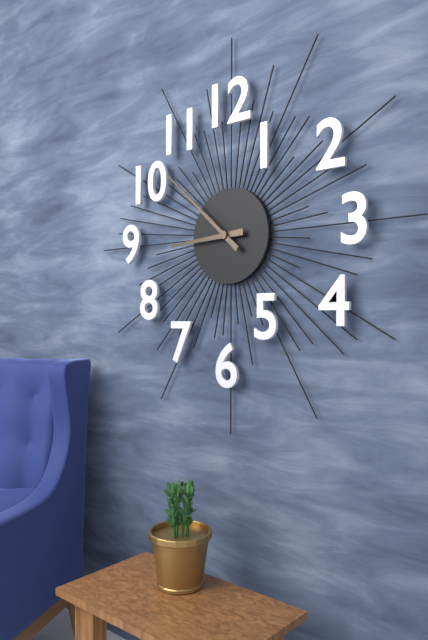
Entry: 8:52
